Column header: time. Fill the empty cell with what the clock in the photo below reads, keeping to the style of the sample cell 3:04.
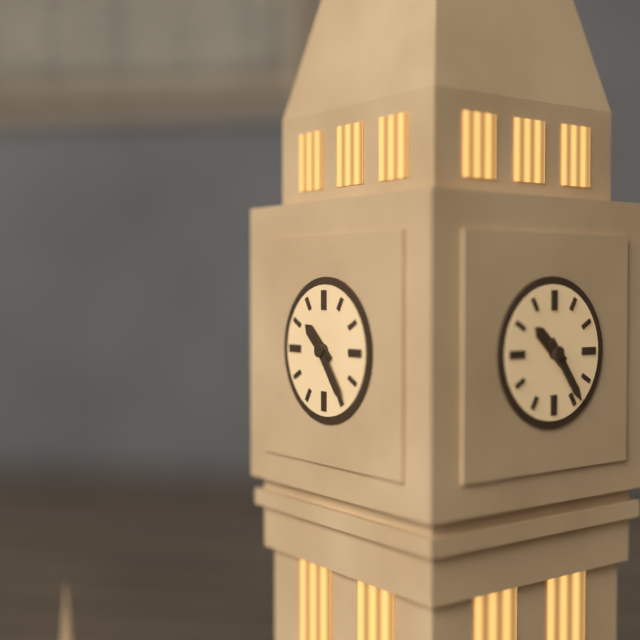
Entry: 10:24
